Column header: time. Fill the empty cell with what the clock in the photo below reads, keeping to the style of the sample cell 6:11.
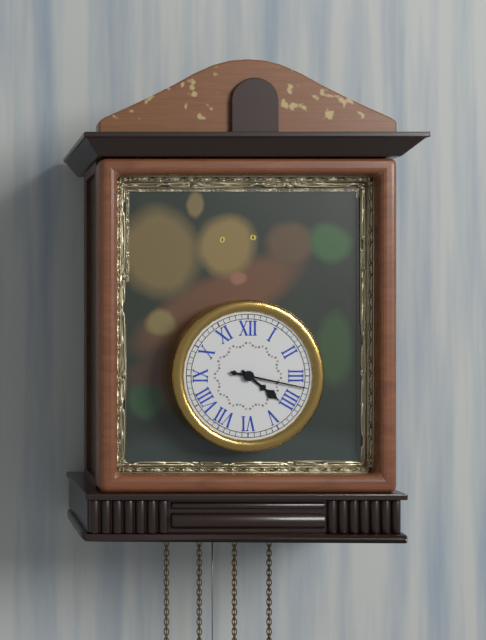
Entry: 4:17
